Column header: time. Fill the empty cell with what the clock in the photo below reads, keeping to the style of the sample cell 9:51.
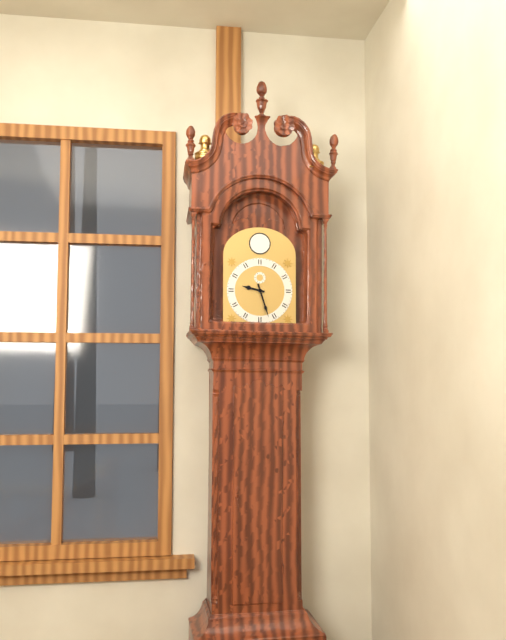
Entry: 9:27
